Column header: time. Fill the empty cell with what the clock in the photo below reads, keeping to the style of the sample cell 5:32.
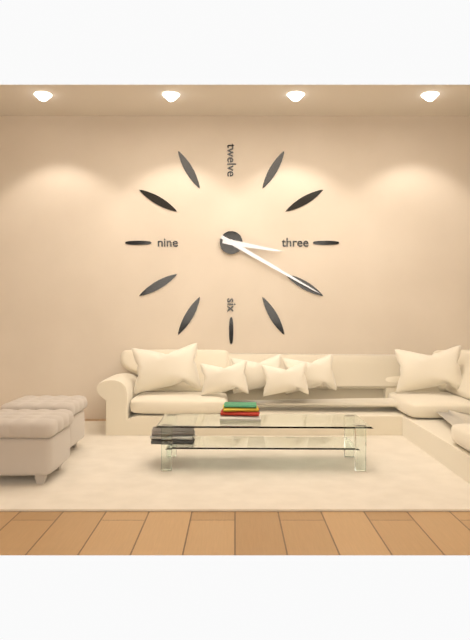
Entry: 3:20
